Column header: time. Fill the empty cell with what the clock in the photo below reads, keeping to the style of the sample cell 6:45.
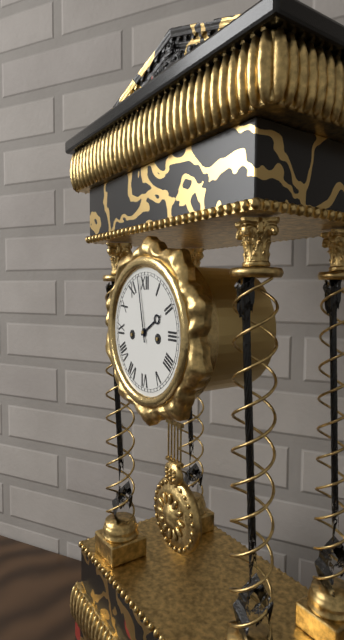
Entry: 1:58
